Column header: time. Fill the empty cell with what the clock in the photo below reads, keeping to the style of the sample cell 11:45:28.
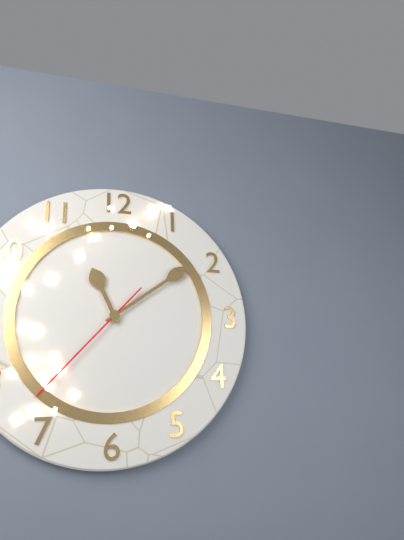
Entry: 11:09:37
